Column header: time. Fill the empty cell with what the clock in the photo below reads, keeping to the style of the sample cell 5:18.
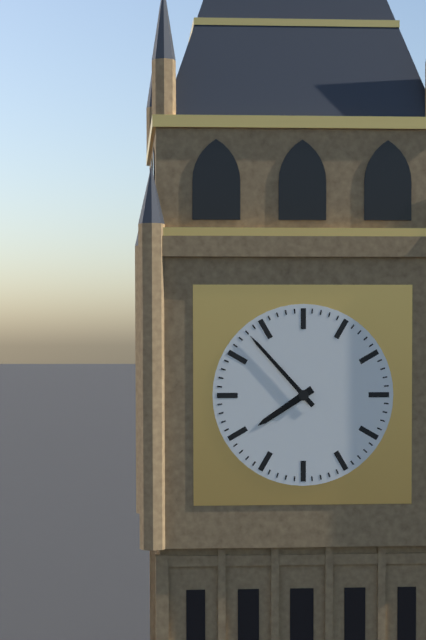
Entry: 7:53
